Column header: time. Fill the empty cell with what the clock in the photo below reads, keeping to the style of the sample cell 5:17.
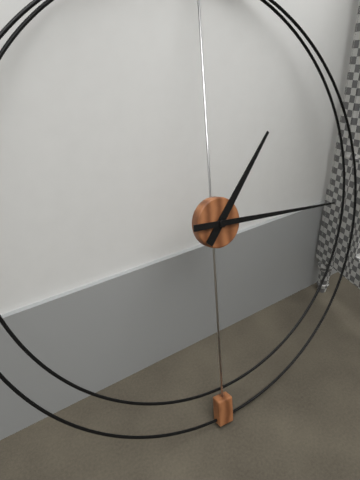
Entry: 1:15
